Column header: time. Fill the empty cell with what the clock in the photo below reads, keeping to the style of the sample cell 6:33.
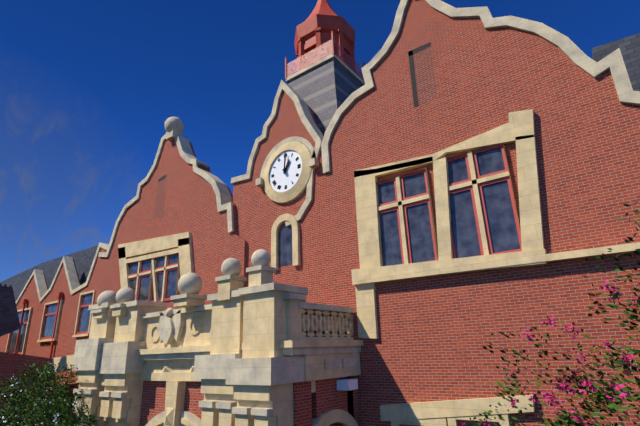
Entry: 1:01
